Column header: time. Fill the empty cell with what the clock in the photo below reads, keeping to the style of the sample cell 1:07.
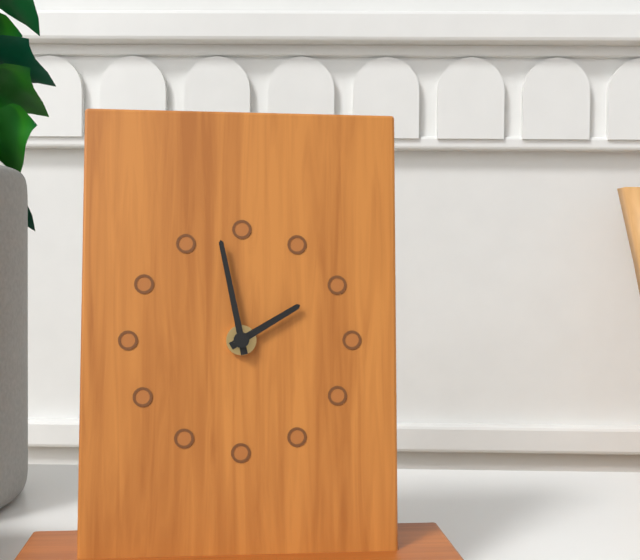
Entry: 1:58
